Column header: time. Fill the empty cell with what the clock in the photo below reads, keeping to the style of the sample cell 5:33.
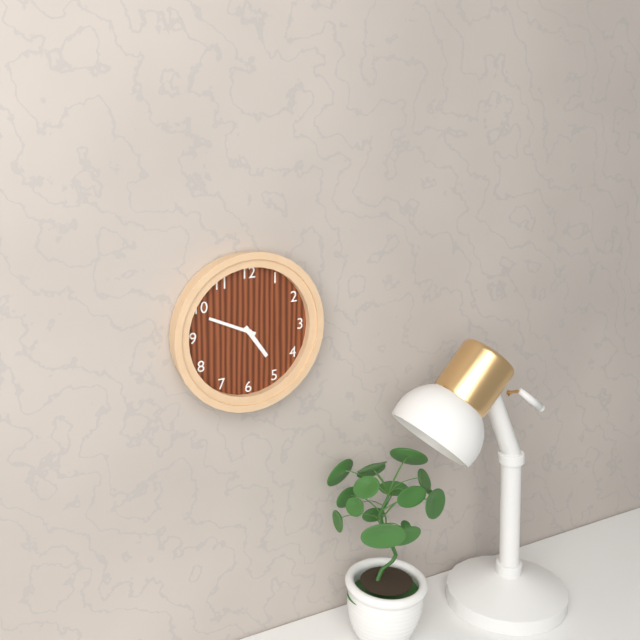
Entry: 4:49
